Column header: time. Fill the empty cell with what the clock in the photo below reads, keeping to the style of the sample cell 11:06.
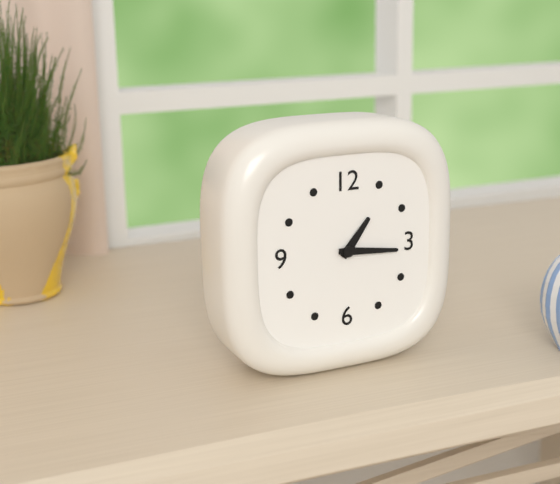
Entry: 1:16
